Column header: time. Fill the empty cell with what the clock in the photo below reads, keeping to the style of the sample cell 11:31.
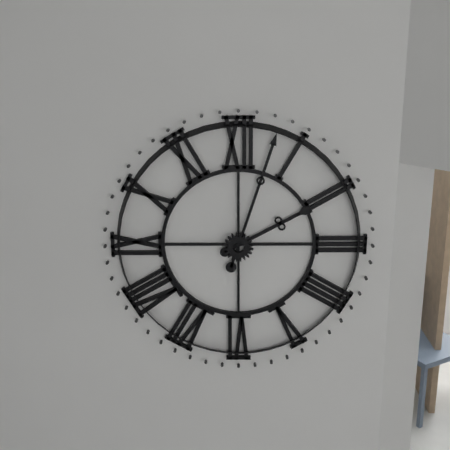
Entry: 2:03
